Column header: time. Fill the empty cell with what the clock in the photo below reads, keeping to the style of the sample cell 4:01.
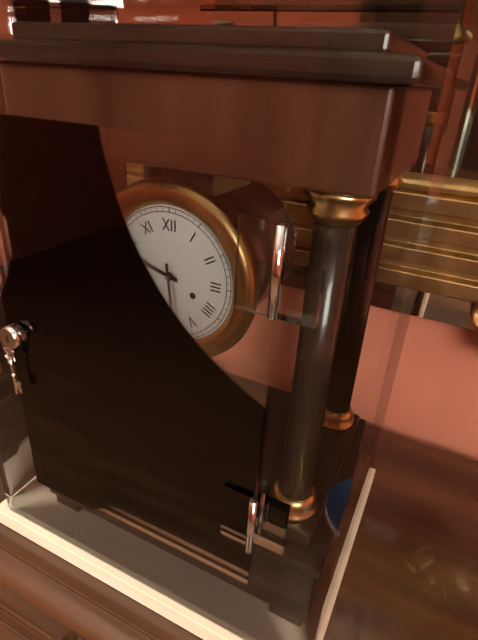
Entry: 9:29
